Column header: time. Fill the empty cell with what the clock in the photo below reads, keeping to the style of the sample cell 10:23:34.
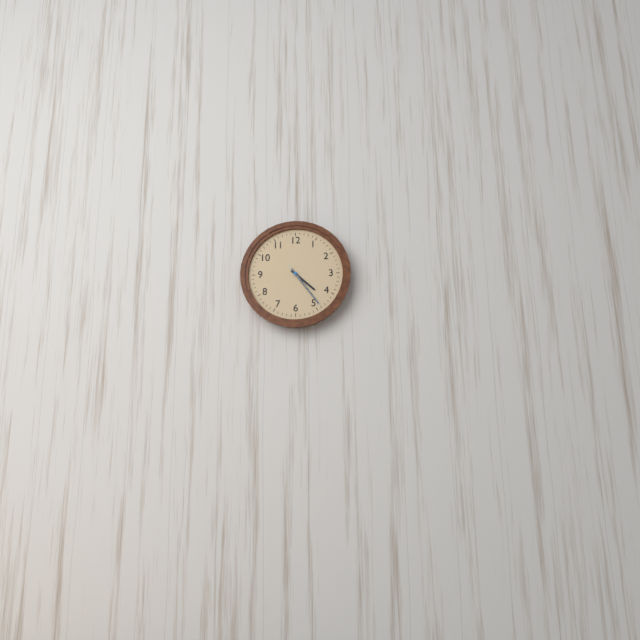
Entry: 4:24:24
